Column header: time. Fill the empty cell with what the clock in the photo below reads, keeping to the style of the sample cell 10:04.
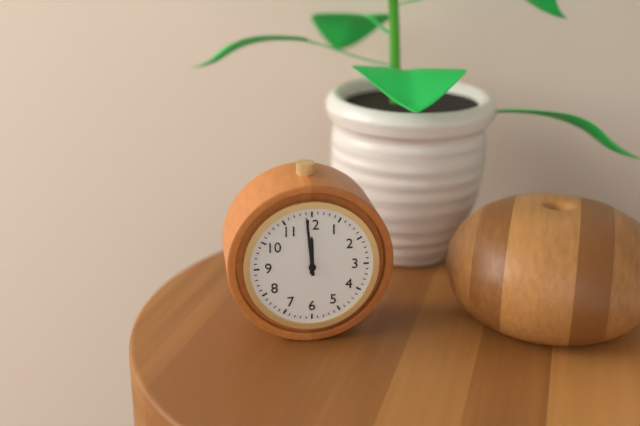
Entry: 11:59
